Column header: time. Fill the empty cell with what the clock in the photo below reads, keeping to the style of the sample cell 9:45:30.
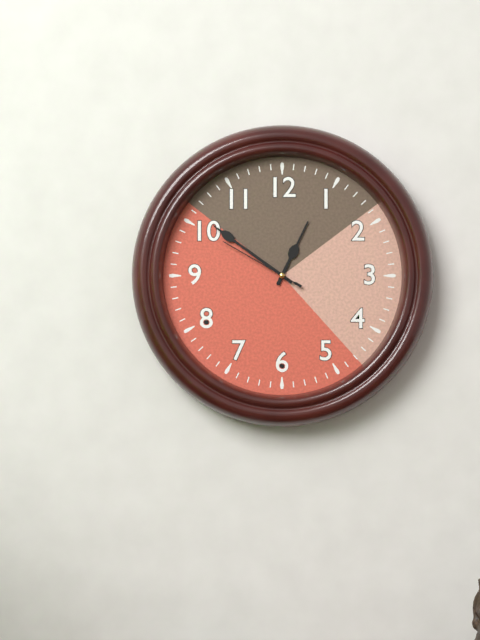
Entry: 12:51:50
